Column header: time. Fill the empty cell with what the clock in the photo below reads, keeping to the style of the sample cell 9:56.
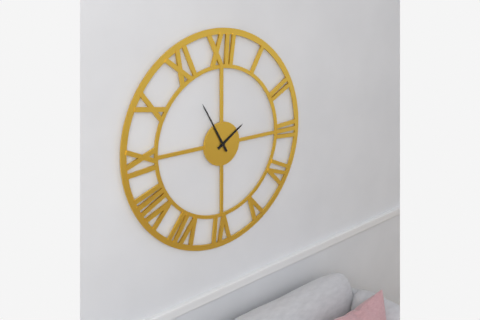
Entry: 1:55
